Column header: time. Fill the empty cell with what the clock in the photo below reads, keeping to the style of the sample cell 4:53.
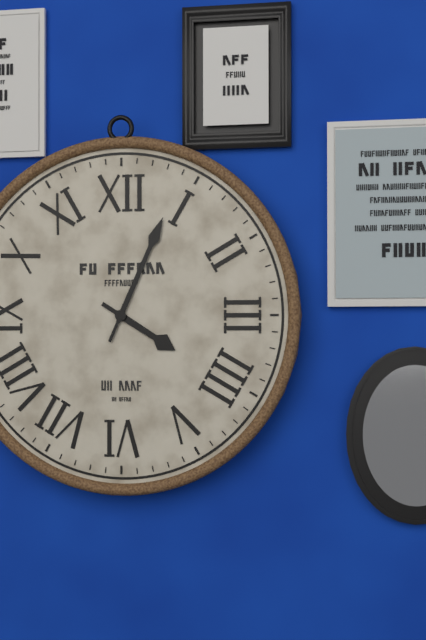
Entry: 4:04
